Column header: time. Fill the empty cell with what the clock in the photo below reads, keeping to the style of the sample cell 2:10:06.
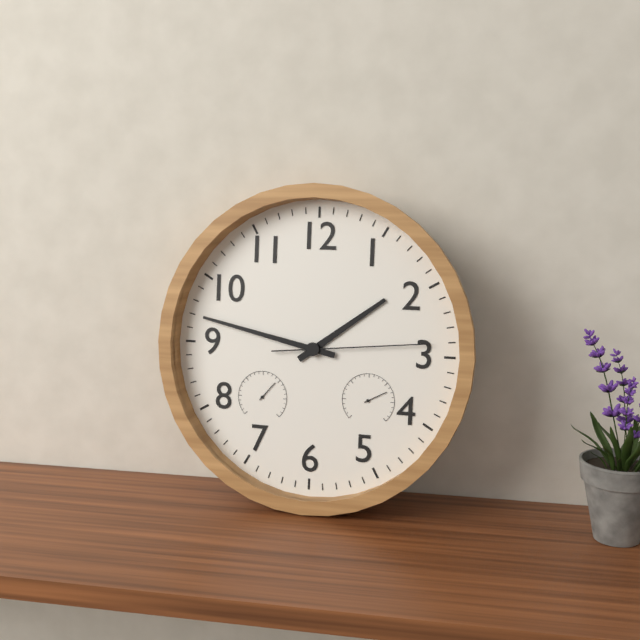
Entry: 1:47:14
